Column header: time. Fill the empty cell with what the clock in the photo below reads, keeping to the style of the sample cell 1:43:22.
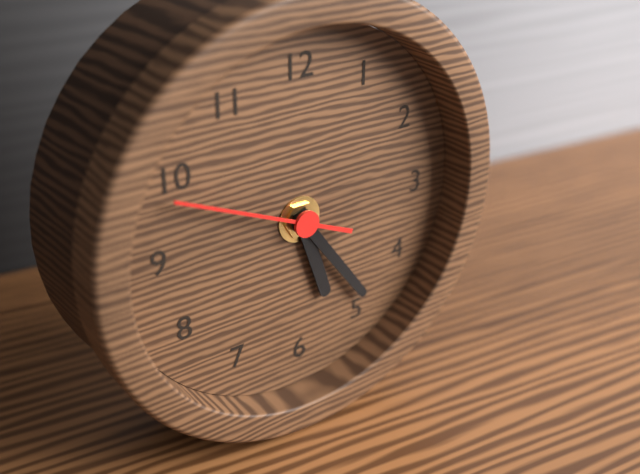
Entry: 5:24:49
